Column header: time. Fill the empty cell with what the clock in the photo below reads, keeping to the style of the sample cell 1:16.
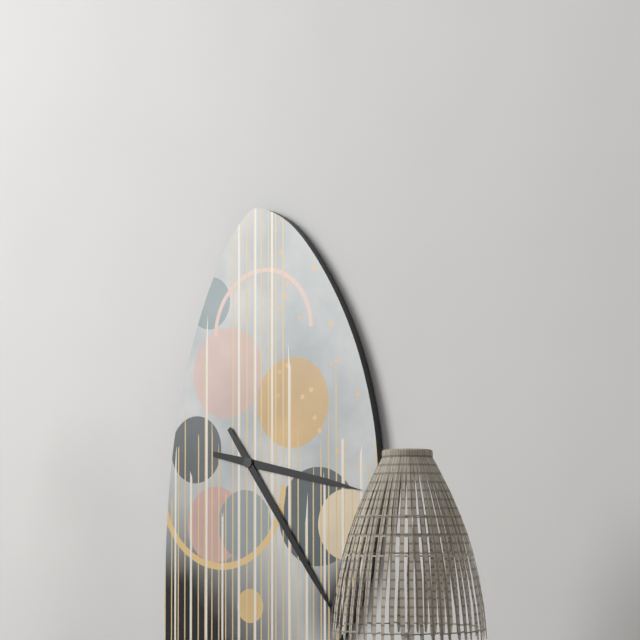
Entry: 3:24
